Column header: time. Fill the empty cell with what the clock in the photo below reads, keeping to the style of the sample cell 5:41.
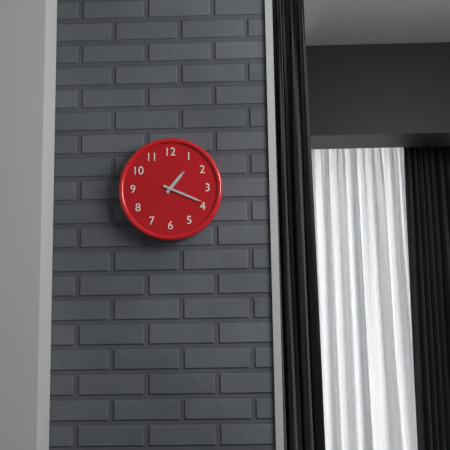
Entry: 1:19
